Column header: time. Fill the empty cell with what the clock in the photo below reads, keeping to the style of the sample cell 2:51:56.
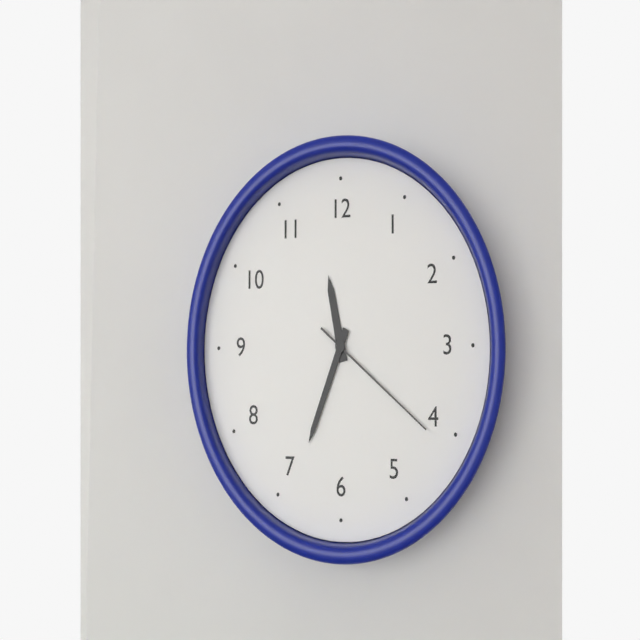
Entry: 11:34:21
